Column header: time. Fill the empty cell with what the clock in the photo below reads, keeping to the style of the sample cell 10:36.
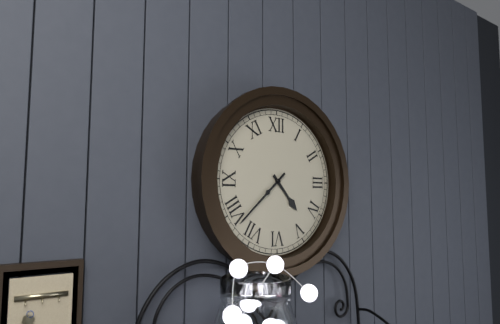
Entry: 4:38
